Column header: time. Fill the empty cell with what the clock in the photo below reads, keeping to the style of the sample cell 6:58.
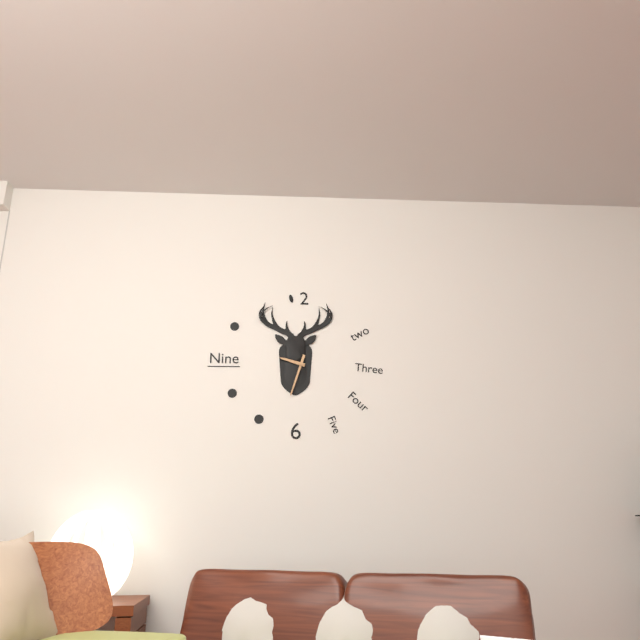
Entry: 9:33
